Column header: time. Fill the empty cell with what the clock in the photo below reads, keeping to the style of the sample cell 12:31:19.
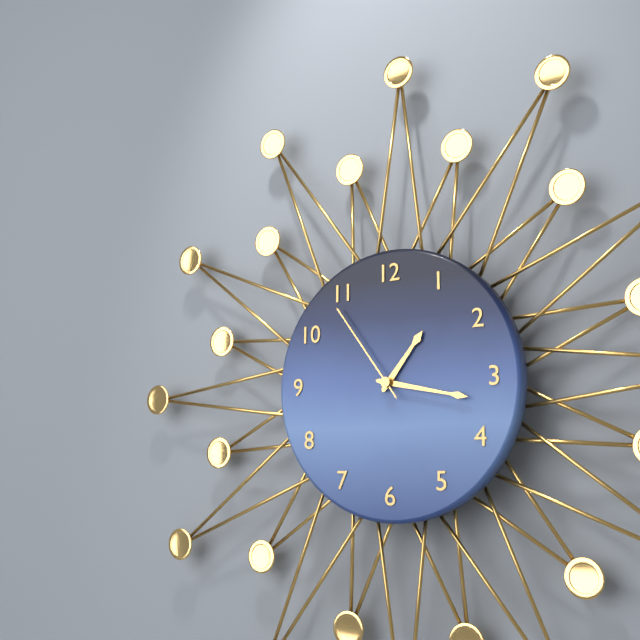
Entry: 1:17:54
